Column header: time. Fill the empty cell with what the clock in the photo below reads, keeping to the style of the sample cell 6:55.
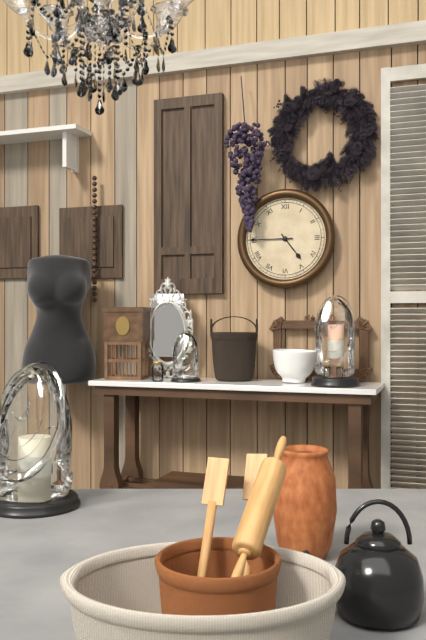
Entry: 4:45
